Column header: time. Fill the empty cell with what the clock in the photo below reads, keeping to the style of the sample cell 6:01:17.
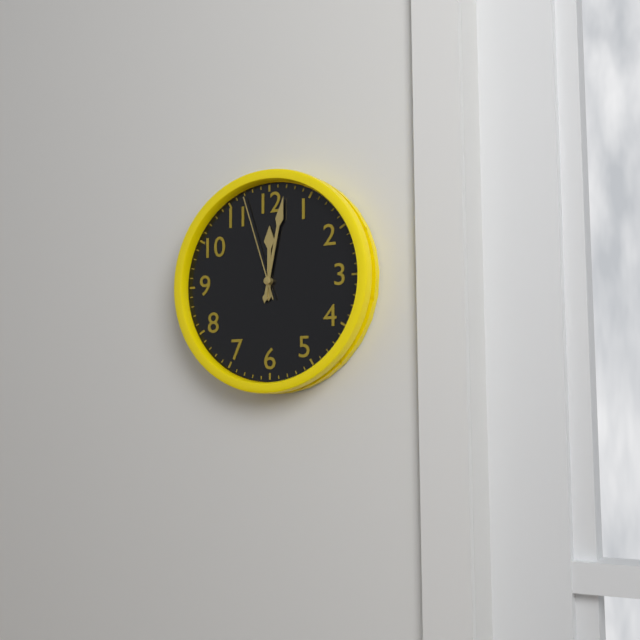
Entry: 12:02:57
